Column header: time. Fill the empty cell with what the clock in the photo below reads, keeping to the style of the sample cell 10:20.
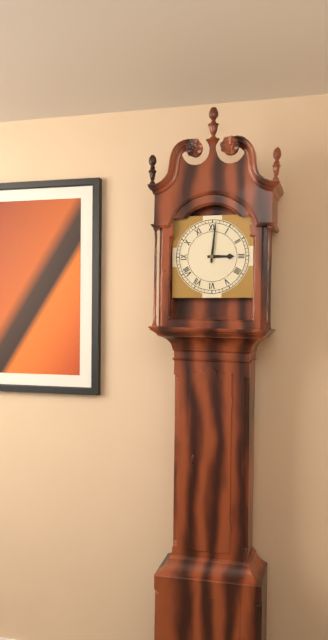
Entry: 3:01
